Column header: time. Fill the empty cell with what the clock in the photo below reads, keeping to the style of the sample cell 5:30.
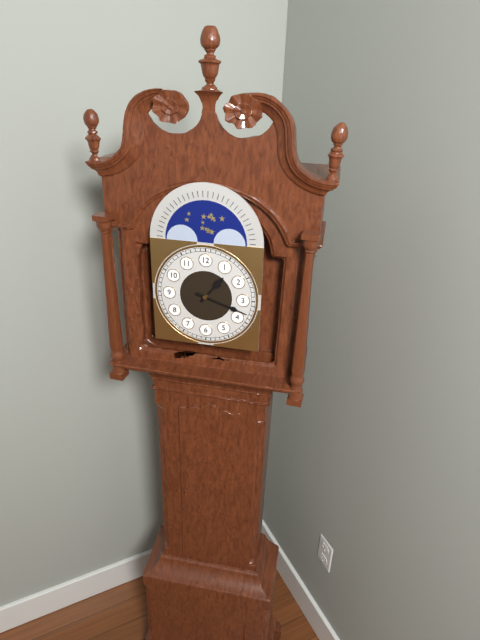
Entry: 1:18
